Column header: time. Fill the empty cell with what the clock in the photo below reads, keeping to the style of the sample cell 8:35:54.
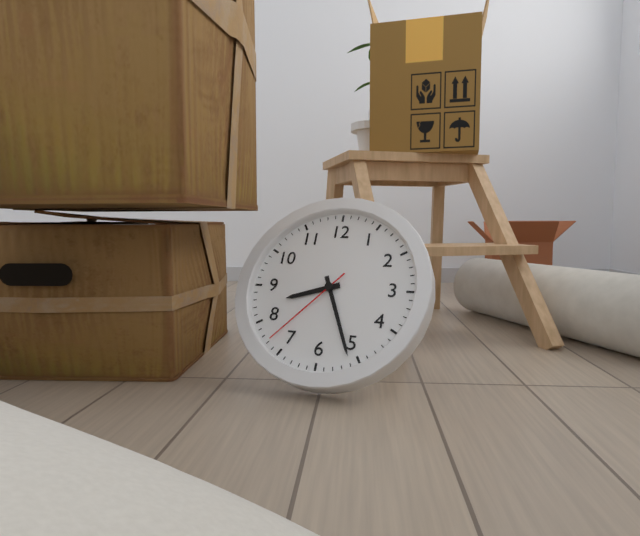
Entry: 8:26:37
